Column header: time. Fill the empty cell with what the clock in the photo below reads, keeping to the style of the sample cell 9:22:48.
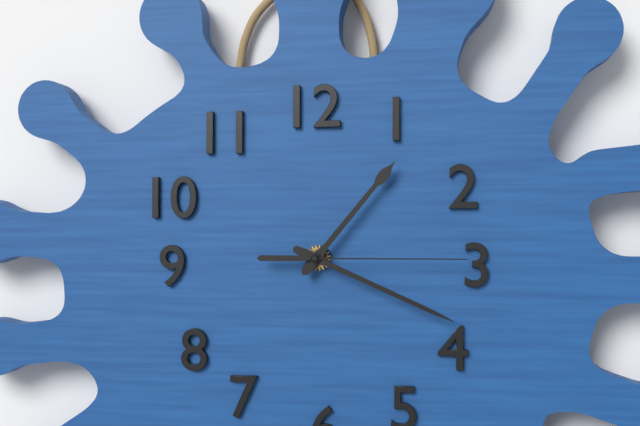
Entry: 1:19:15
